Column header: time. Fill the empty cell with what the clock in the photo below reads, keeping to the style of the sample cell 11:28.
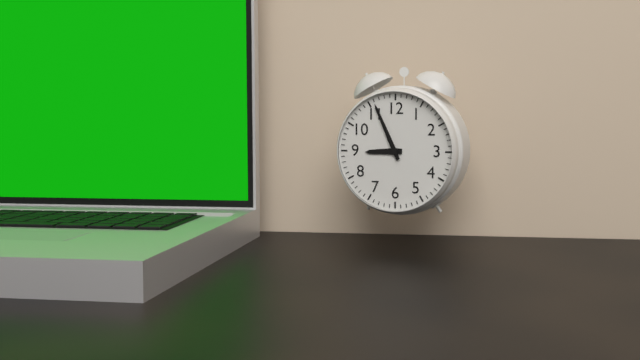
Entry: 8:56
